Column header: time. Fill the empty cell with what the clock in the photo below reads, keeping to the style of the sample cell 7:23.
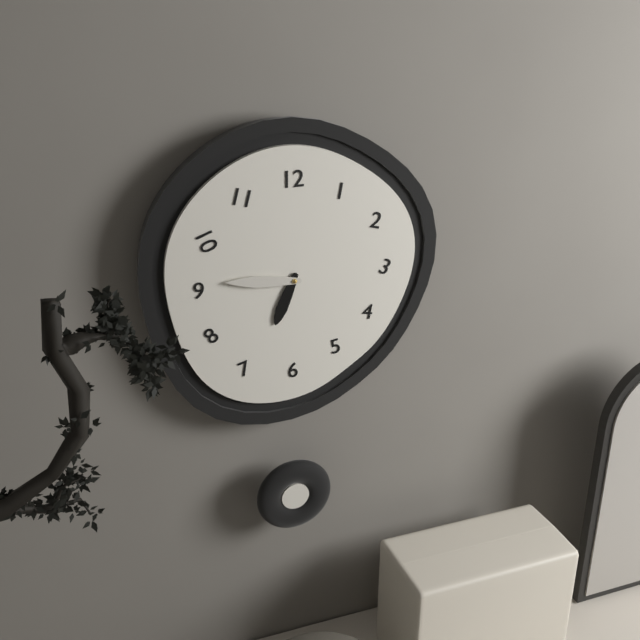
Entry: 6:46
